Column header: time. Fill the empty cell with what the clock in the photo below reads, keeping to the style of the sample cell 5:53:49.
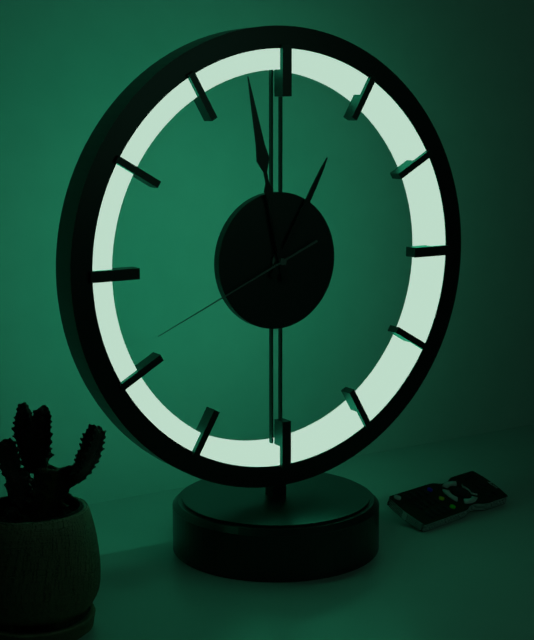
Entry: 12:58:41
